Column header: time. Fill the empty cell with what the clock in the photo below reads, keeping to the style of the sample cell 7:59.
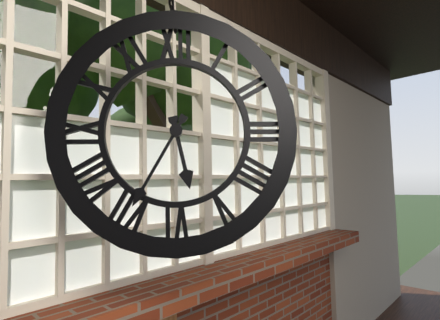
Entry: 5:35
